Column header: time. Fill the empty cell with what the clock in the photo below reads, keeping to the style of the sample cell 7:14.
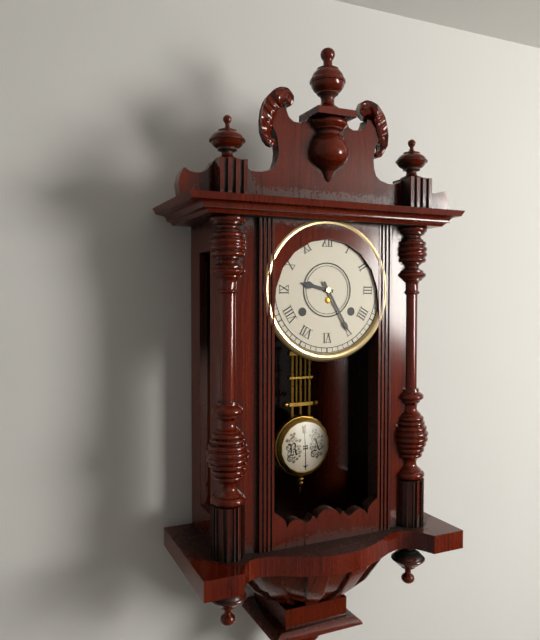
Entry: 9:25
